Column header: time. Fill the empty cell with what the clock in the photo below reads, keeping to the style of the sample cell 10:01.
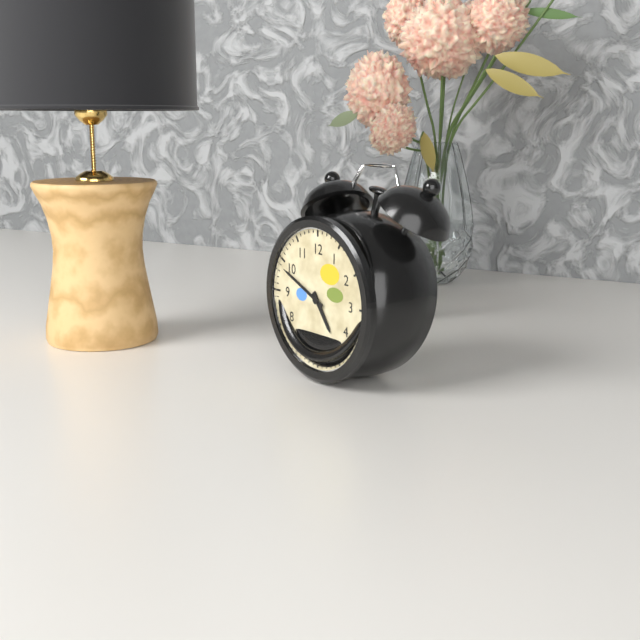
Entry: 4:49
